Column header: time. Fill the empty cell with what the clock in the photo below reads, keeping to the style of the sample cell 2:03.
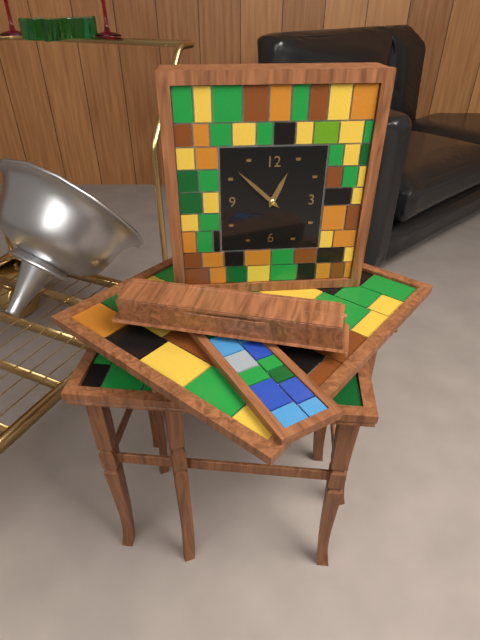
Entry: 12:52
